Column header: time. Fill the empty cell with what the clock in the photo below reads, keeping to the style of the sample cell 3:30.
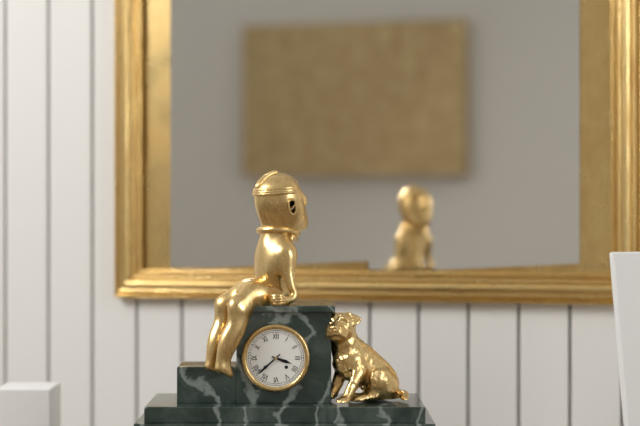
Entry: 3:38
